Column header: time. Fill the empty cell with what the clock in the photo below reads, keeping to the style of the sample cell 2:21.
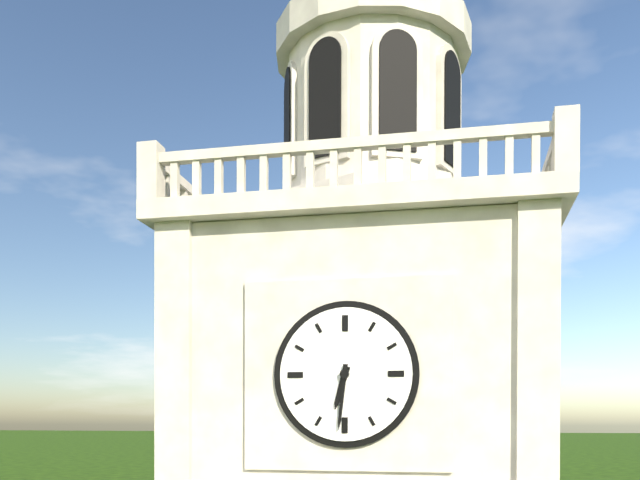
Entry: 6:31
